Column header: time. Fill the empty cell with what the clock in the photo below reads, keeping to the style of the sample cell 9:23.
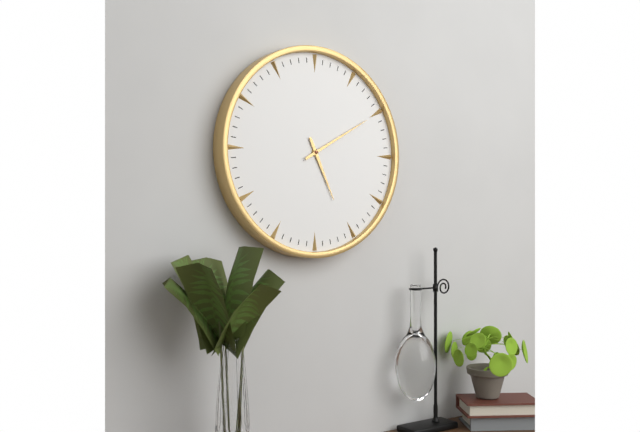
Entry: 5:10
